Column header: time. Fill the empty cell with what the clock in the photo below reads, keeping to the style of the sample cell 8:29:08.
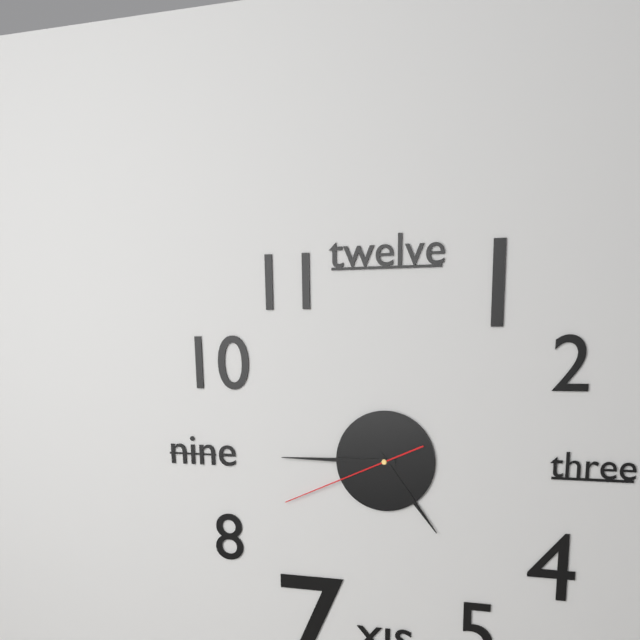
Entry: 4:45:41
